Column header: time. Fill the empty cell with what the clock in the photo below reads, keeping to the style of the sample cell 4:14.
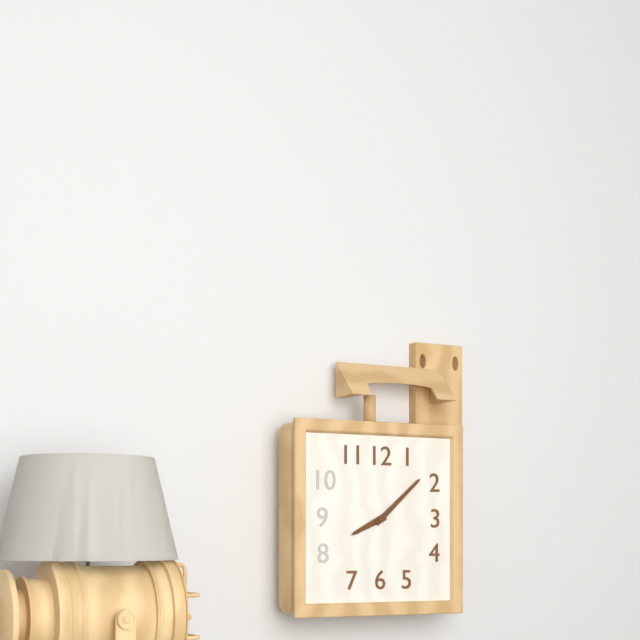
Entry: 8:08
